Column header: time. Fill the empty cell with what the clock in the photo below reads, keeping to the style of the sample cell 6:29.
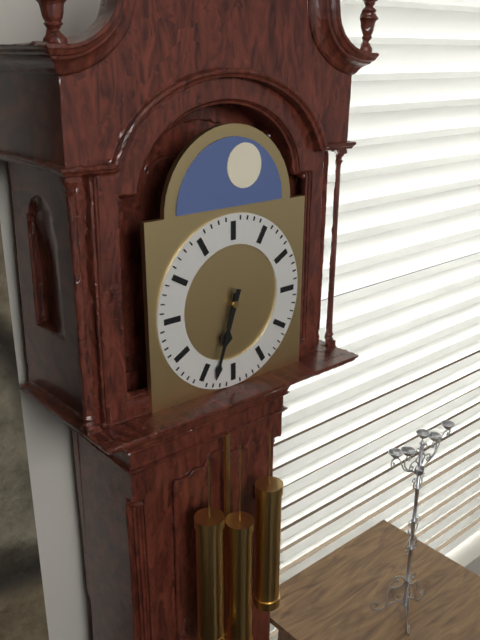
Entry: 6:33
